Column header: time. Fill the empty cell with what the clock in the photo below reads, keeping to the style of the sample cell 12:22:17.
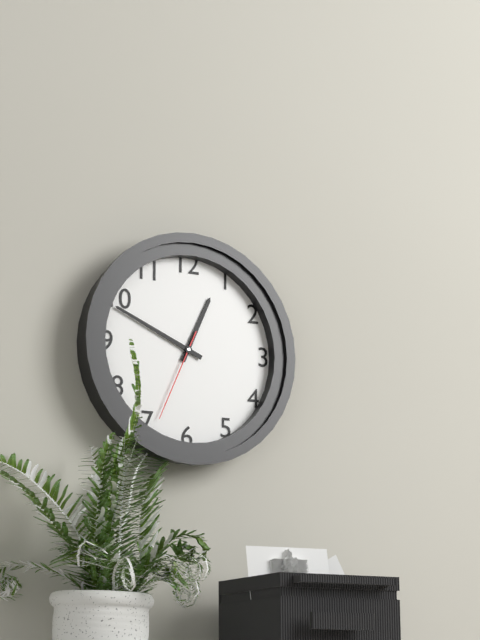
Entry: 12:49:34
